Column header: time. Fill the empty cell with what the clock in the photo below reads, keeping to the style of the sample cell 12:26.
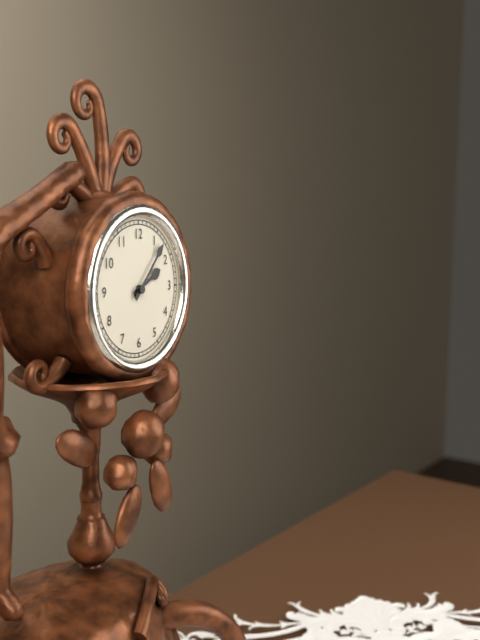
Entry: 2:07
